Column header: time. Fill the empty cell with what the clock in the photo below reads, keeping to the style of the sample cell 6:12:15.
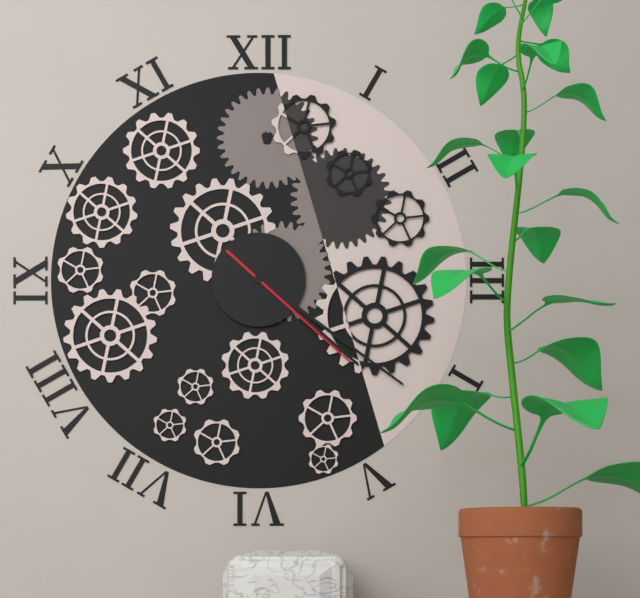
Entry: 4:21:22
